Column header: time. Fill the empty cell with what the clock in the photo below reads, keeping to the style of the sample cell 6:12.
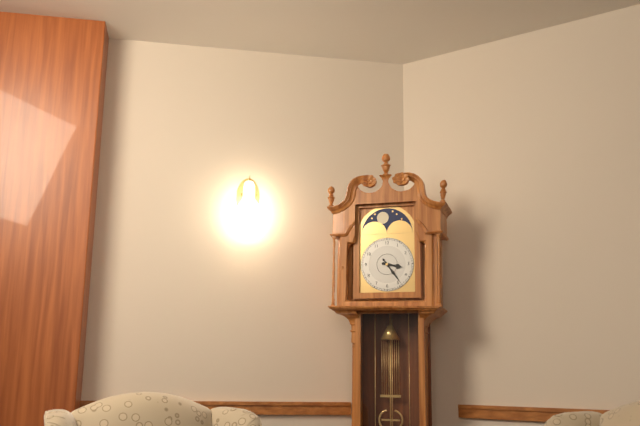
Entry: 3:24
